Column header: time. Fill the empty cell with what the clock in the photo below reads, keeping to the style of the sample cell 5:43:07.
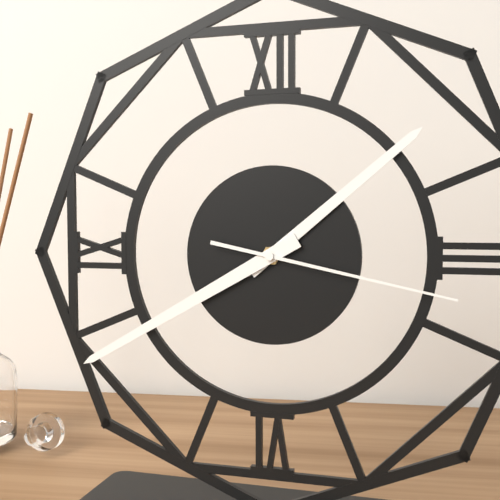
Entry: 1:40:17
